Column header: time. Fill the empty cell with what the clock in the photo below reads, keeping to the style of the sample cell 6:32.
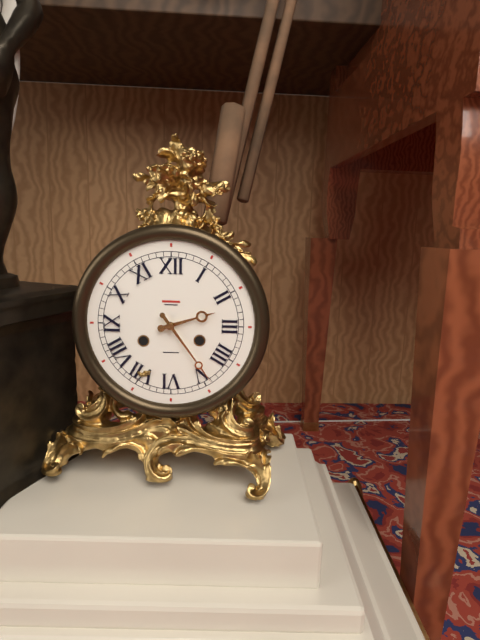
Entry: 2:24
